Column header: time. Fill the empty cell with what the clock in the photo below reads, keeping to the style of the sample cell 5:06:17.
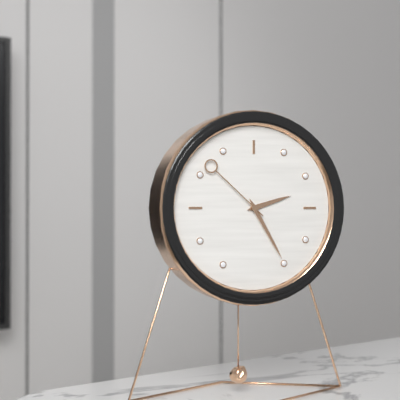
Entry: 2:25:52
